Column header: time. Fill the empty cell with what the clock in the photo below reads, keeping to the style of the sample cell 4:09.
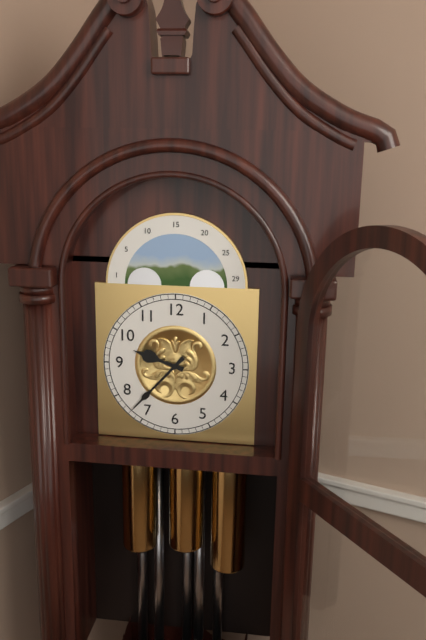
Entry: 9:37
